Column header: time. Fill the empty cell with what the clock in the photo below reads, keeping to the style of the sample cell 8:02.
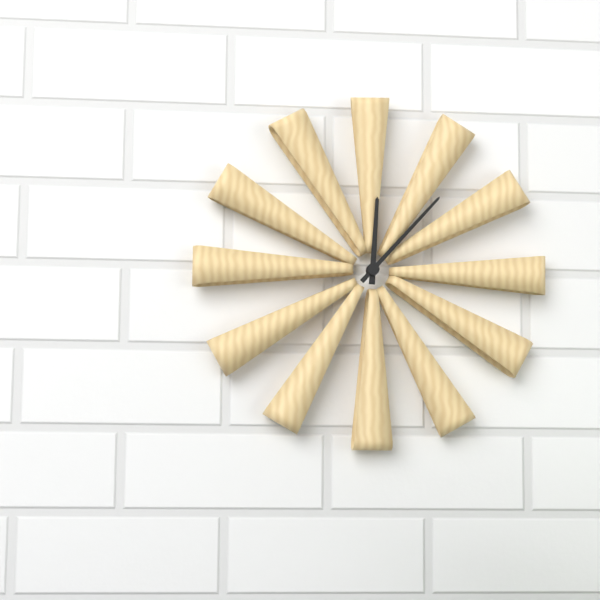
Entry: 12:07
